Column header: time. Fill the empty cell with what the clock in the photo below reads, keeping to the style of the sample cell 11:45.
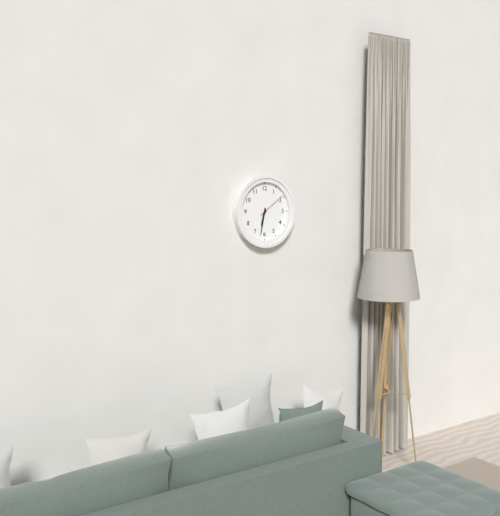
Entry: 6:32
